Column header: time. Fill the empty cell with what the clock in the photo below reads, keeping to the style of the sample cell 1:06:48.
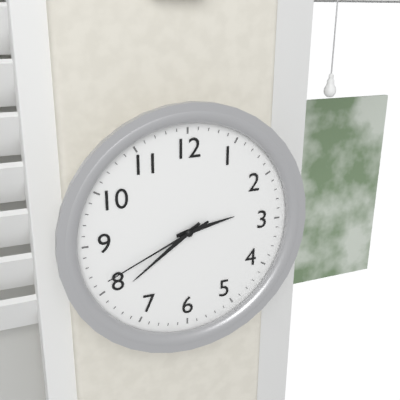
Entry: 2:39:41
